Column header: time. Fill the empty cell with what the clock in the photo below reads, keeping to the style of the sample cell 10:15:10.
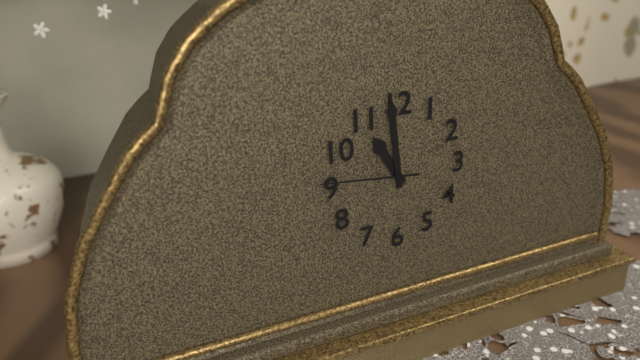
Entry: 10:59:46
